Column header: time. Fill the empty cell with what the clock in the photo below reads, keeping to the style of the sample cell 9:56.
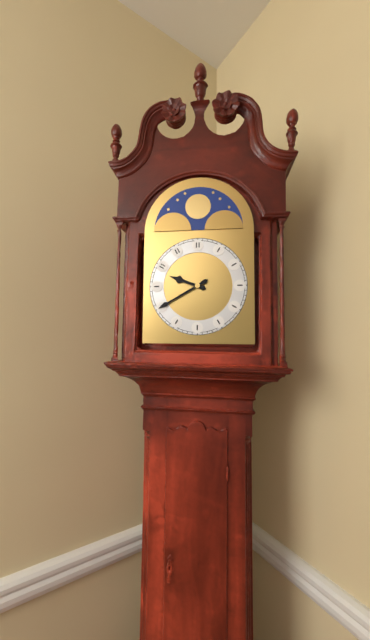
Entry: 9:40
